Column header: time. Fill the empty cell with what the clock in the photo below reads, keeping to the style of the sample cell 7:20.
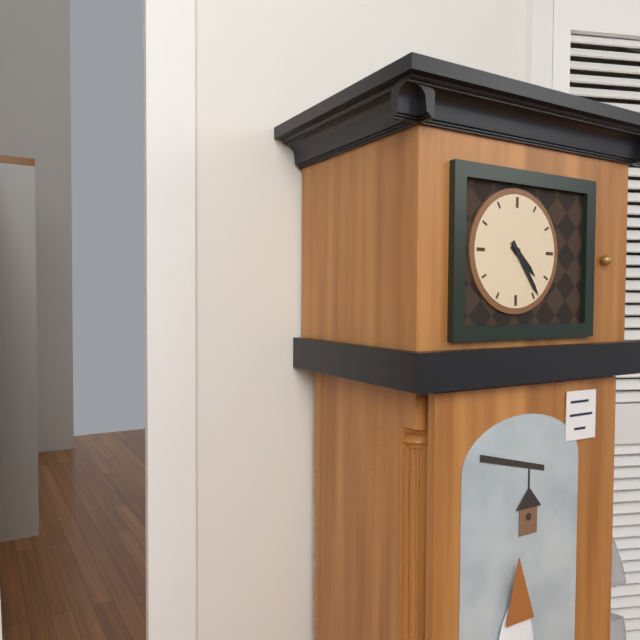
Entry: 4:24
